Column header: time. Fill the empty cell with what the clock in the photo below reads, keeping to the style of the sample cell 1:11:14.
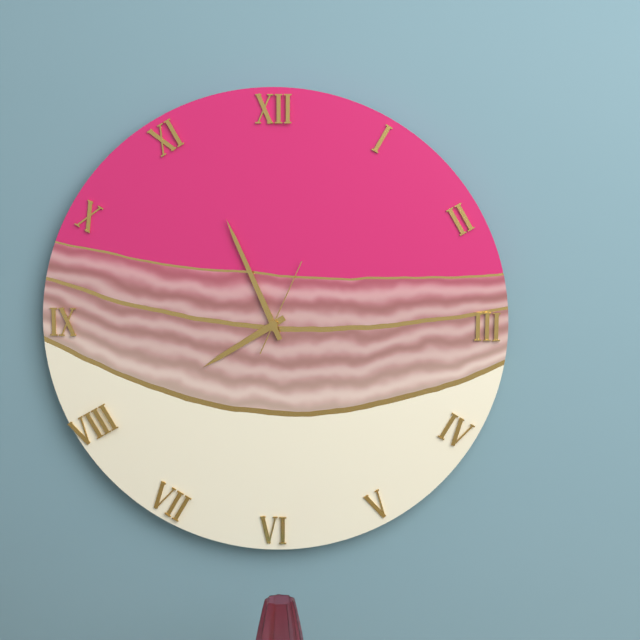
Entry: 7:56:04
